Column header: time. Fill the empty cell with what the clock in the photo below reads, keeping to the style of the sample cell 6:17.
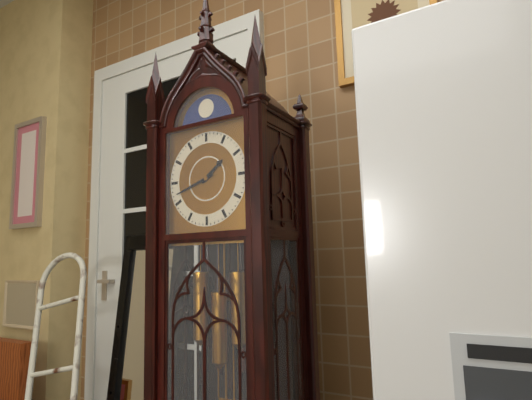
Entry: 1:42
